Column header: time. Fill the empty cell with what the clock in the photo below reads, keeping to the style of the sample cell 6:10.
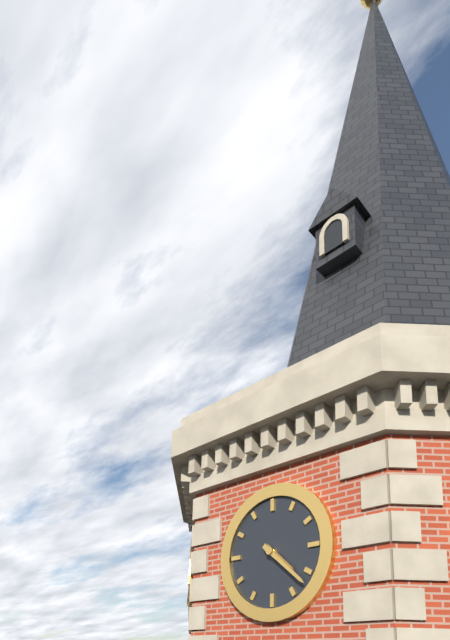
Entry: 4:22
